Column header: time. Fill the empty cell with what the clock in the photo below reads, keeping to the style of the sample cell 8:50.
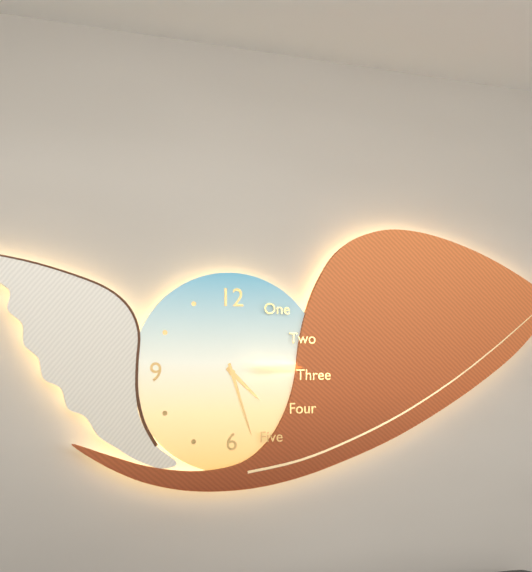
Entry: 4:27
